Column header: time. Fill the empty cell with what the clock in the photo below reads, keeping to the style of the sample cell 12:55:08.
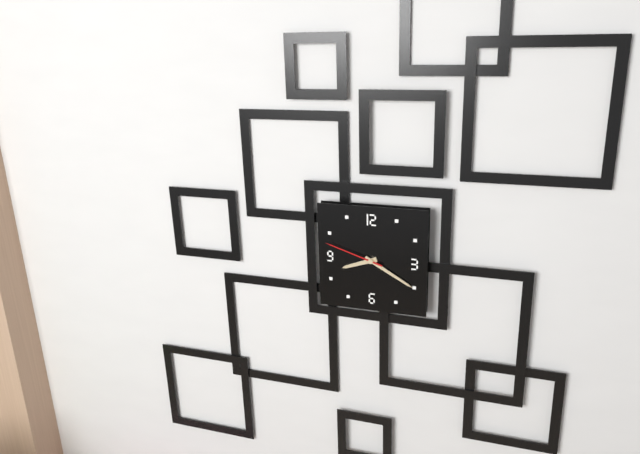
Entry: 8:20:48
